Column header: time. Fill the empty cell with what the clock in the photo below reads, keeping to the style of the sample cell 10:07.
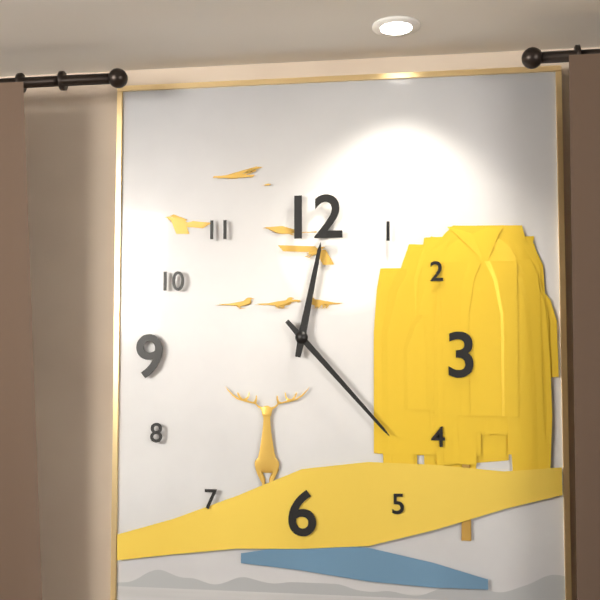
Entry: 12:23
